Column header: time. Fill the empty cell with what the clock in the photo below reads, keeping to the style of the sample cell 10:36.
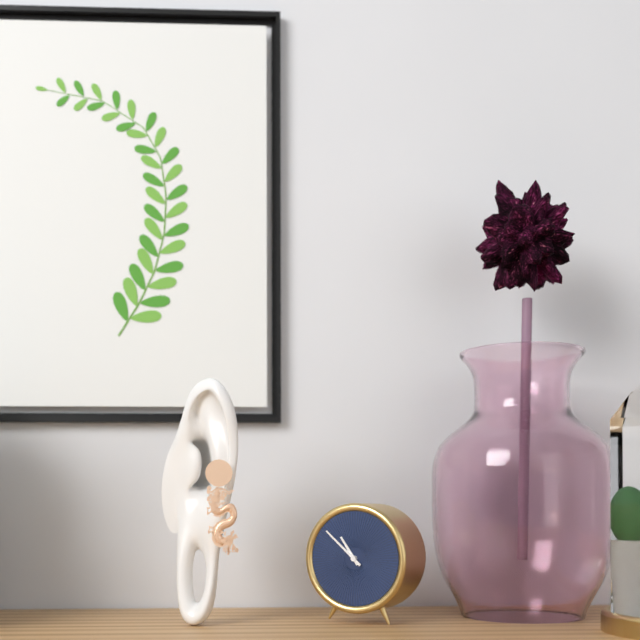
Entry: 10:52
